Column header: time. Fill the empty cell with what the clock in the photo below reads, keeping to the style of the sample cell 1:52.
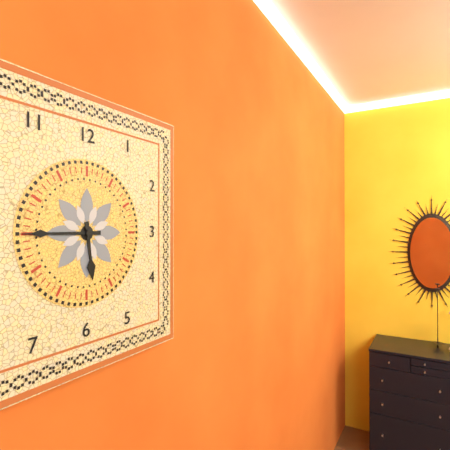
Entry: 5:45
